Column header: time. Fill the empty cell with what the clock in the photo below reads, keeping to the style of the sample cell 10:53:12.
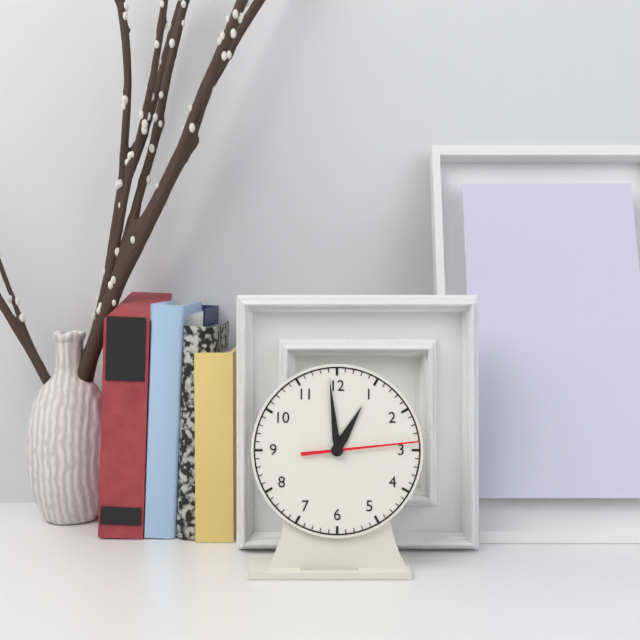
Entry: 12:59:14
